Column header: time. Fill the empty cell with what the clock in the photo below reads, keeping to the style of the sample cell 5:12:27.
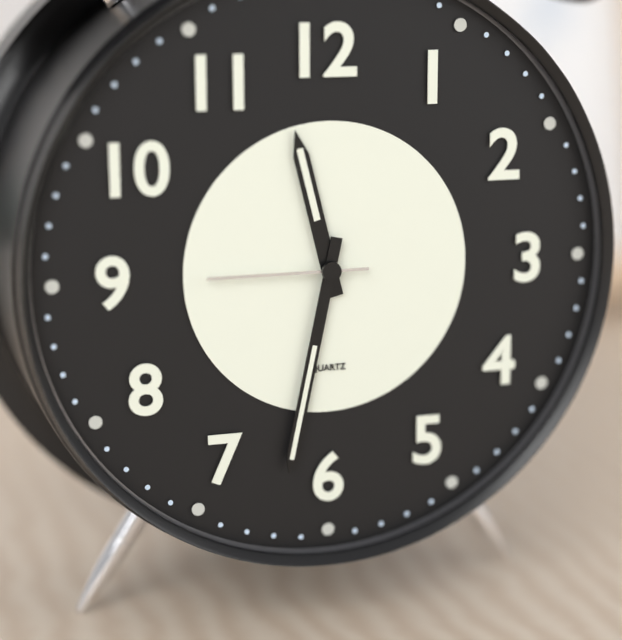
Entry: 11:32:45
